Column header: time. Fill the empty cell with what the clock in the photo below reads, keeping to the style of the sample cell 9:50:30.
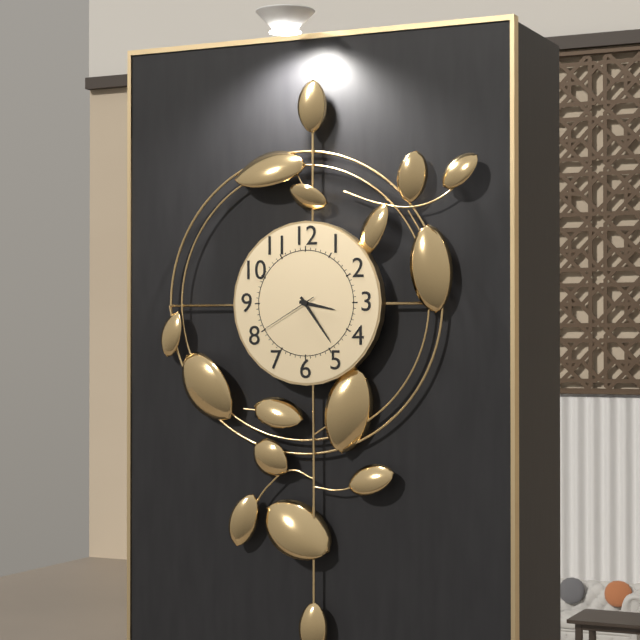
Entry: 3:24:40
